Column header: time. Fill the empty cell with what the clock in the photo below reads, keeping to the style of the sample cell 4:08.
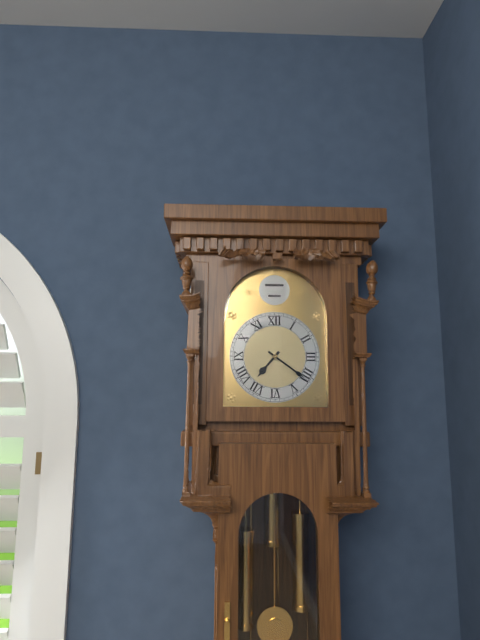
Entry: 7:21
